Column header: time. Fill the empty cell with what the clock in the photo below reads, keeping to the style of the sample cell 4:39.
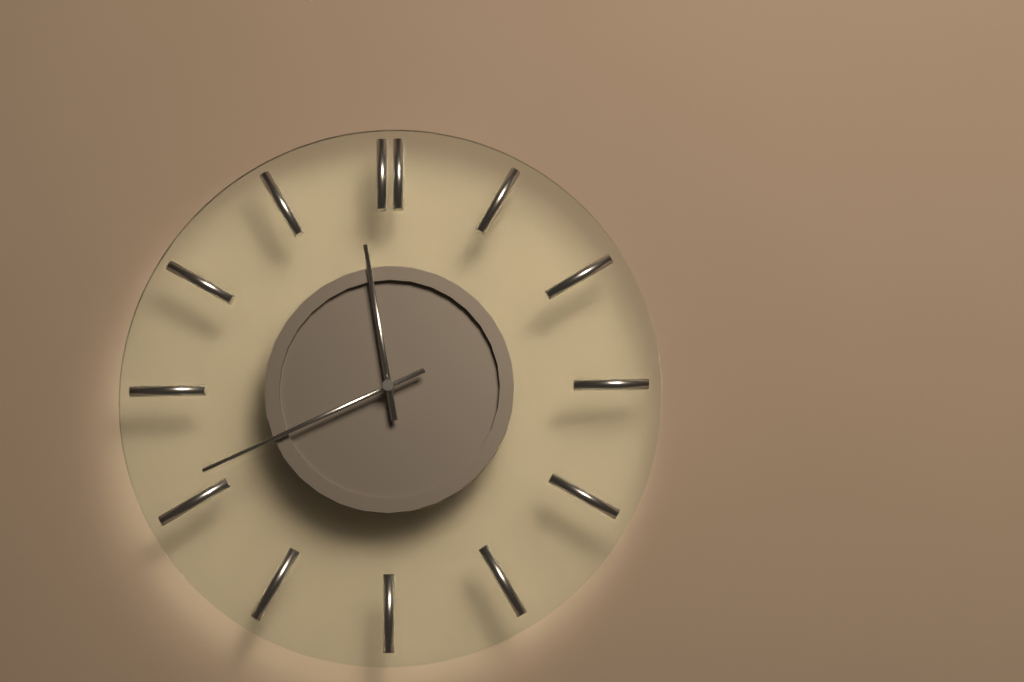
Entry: 11:41
